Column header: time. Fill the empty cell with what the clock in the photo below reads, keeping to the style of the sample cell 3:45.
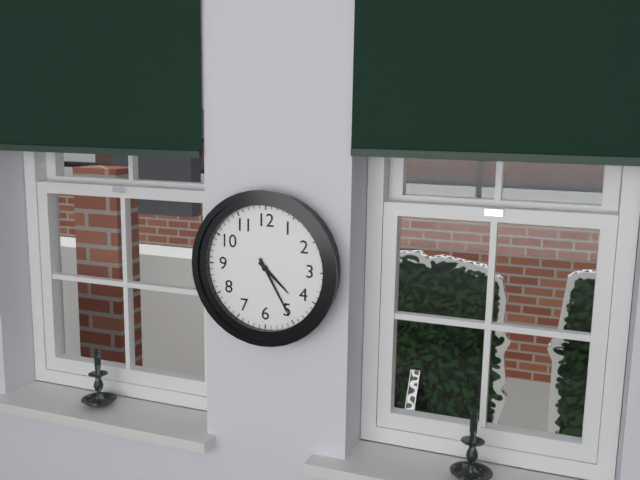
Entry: 4:25
